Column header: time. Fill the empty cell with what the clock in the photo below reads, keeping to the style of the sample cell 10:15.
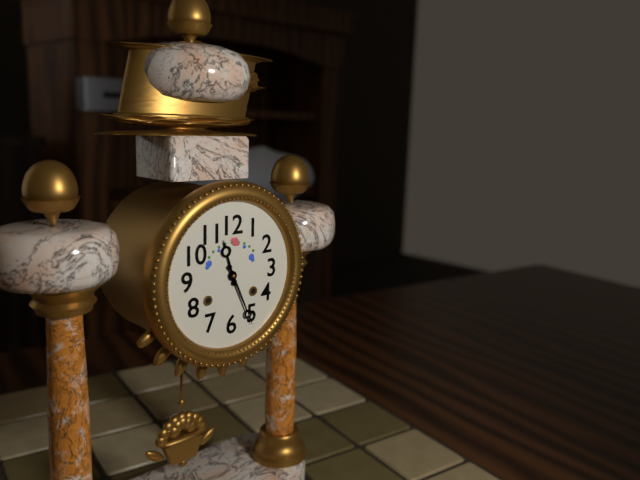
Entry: 11:26
